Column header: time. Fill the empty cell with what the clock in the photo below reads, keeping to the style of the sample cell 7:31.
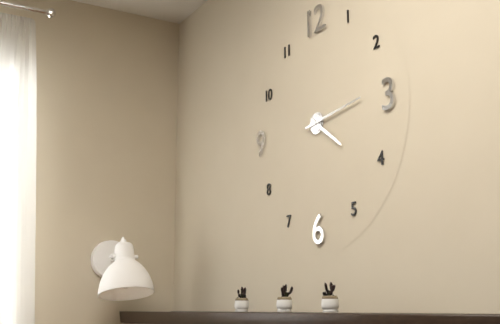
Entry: 4:14
